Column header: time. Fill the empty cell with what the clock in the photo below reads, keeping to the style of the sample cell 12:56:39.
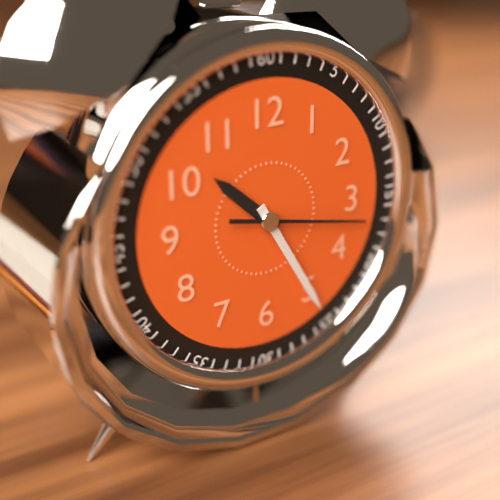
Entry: 10:25:17
